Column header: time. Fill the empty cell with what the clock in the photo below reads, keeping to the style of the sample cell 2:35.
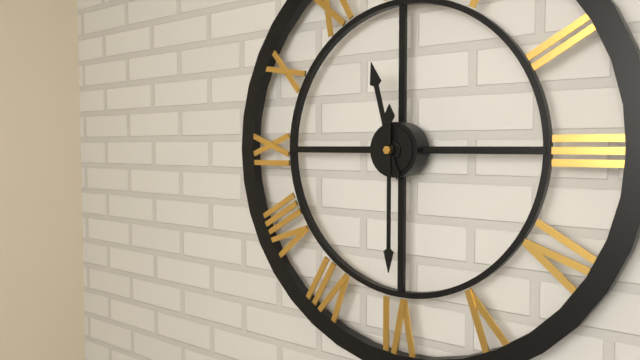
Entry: 11:30
